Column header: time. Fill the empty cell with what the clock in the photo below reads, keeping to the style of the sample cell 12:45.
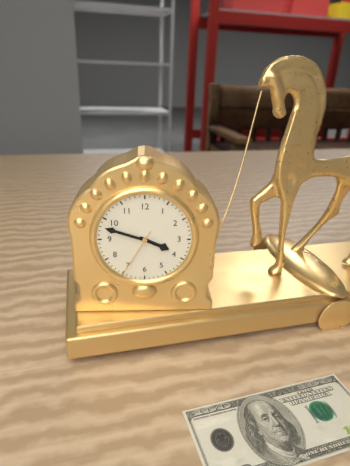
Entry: 3:48
